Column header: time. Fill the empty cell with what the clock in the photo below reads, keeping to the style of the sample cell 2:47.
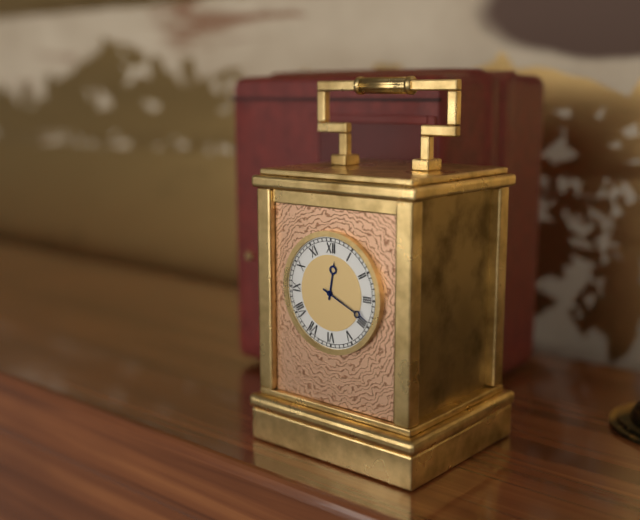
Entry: 12:19
